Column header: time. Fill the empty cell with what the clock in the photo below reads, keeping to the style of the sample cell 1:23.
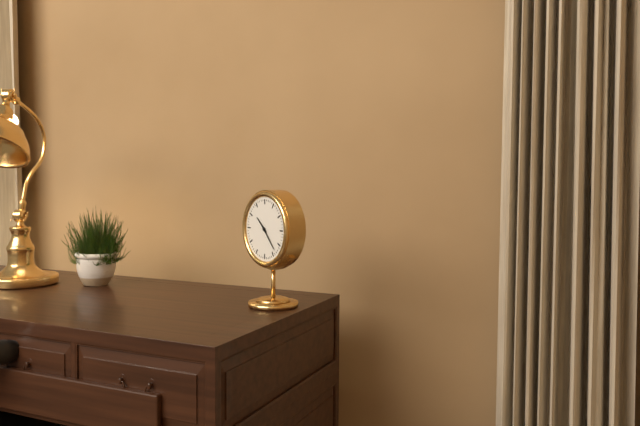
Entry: 10:23
